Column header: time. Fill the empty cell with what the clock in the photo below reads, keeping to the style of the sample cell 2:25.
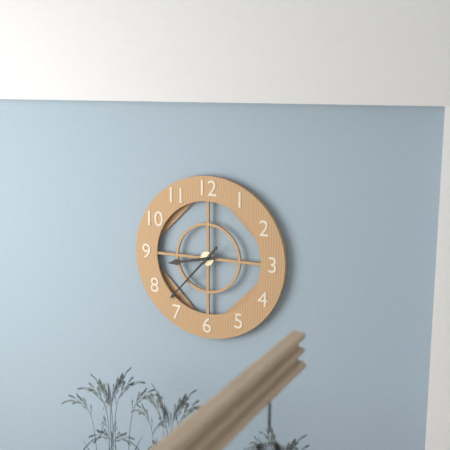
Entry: 8:37
